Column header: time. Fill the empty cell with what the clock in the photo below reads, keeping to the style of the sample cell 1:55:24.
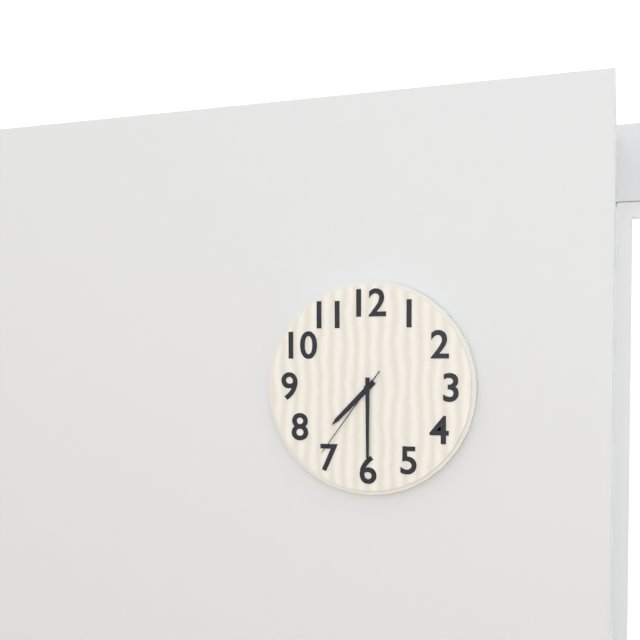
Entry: 7:30:36
